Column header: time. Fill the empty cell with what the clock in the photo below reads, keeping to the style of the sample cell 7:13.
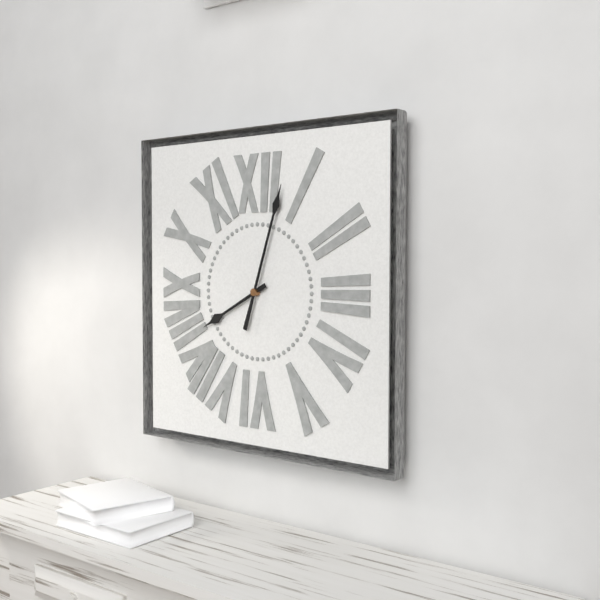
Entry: 8:03
